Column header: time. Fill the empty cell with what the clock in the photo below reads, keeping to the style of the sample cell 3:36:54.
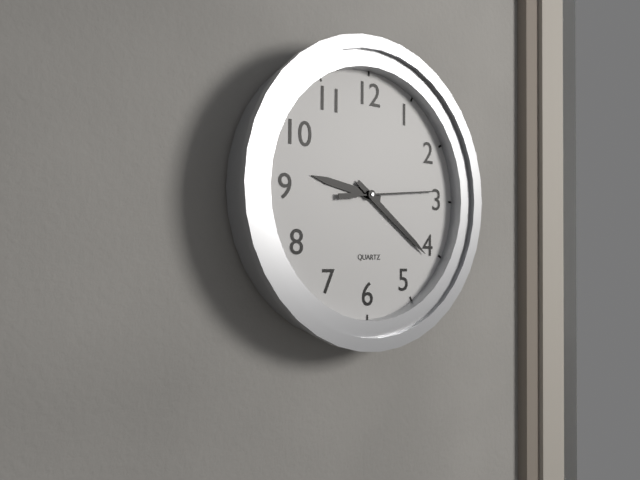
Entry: 9:21:14
